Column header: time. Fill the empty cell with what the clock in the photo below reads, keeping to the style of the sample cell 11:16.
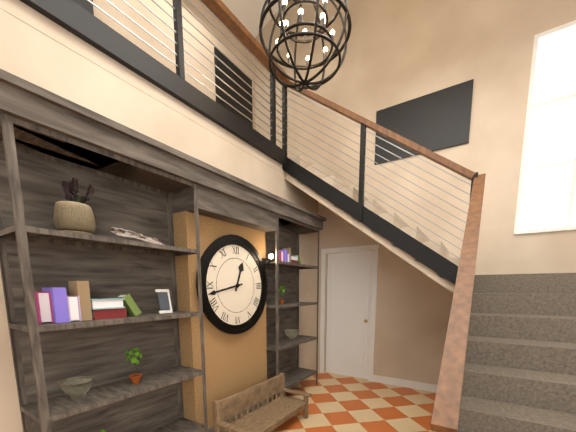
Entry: 12:43
